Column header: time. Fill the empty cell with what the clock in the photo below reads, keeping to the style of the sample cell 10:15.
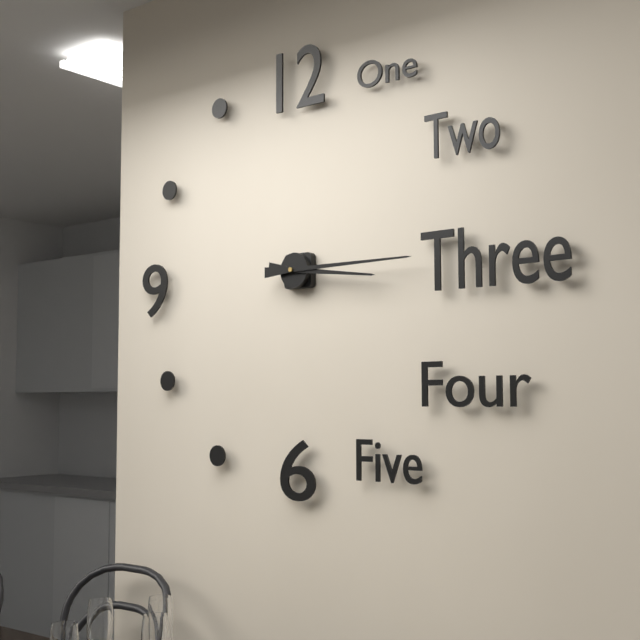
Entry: 3:15
